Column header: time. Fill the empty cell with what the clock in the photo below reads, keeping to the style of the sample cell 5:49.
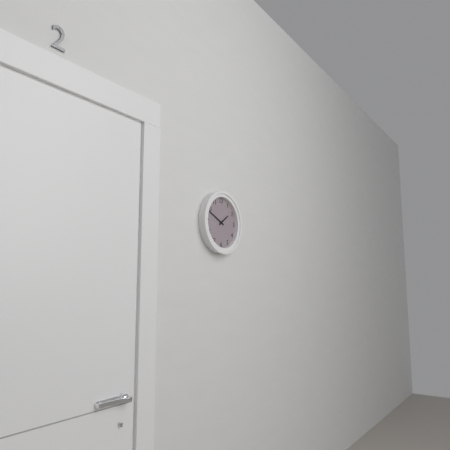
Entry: 1:49
